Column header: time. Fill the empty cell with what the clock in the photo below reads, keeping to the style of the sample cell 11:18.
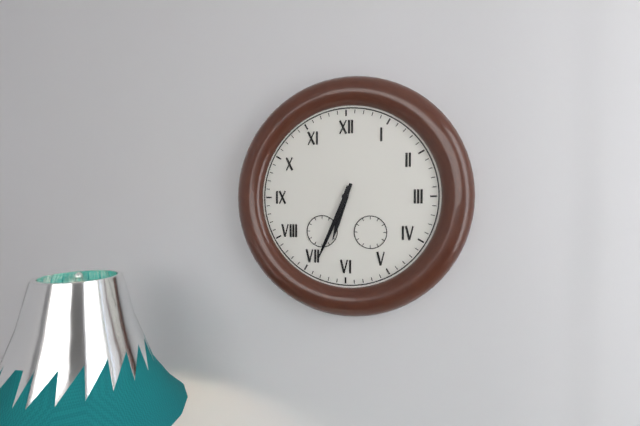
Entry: 6:34
